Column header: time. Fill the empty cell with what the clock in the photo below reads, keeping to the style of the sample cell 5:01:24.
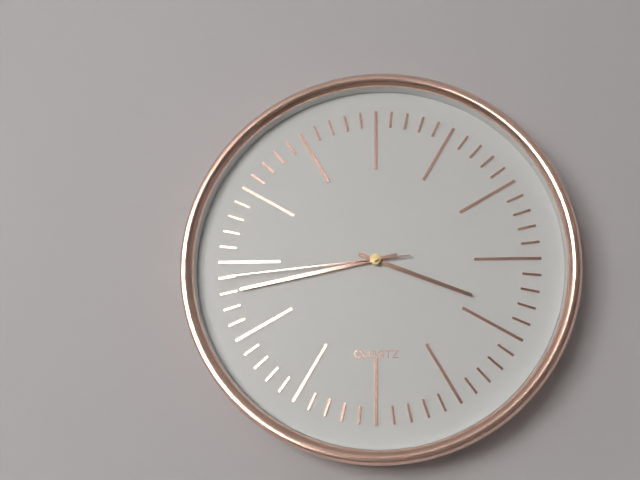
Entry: 3:43:44
